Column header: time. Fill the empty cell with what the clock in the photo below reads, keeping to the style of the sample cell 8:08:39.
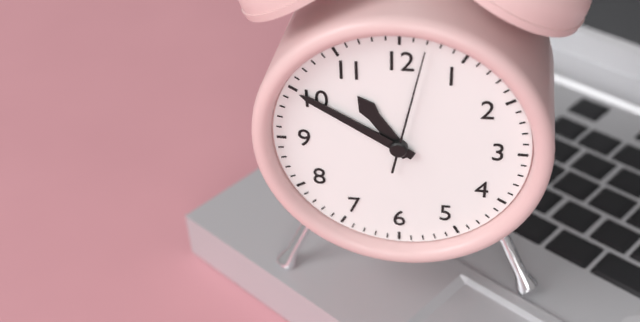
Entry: 10:50:02
